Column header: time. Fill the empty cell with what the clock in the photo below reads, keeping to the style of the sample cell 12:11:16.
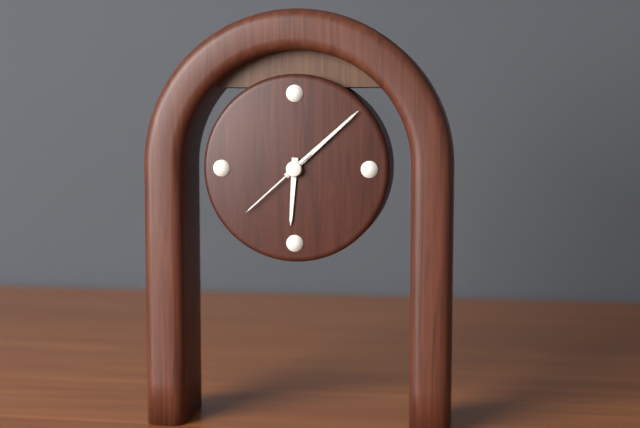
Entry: 6:08:38
